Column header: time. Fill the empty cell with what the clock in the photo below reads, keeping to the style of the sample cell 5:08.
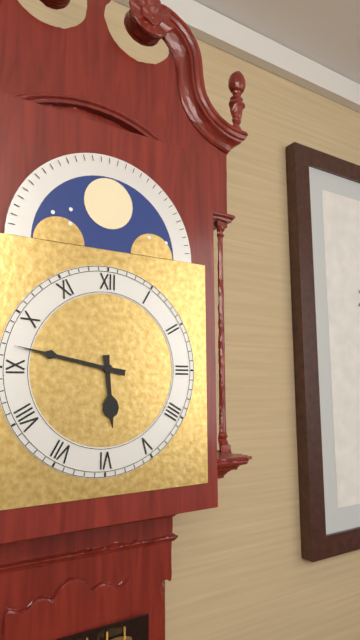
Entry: 5:47
